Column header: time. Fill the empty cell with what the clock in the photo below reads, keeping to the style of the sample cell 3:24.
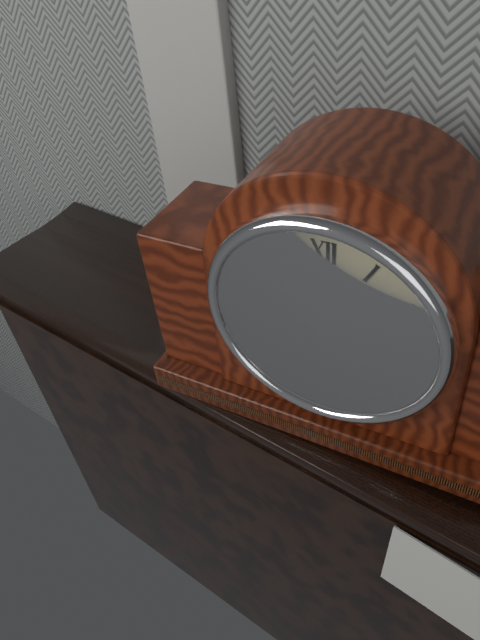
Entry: 2:51
